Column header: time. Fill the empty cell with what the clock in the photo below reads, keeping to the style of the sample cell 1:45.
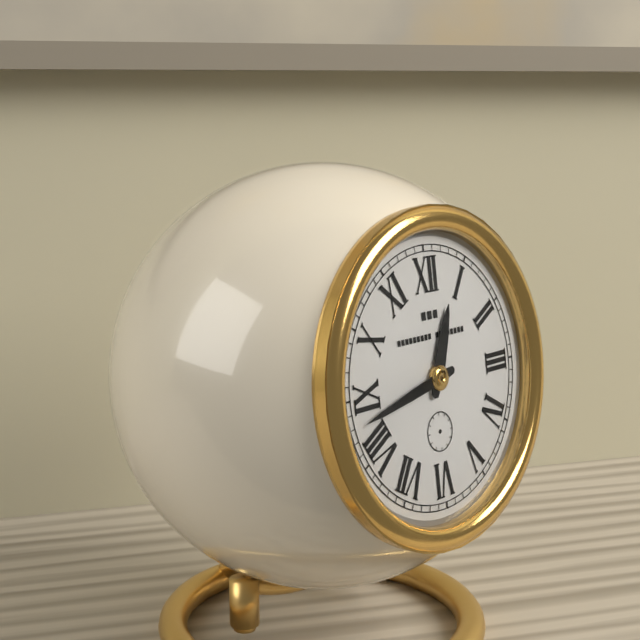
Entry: 12:43
